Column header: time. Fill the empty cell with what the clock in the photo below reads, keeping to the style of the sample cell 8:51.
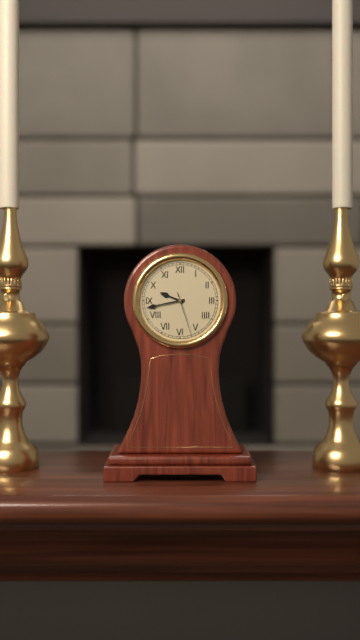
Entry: 9:43
